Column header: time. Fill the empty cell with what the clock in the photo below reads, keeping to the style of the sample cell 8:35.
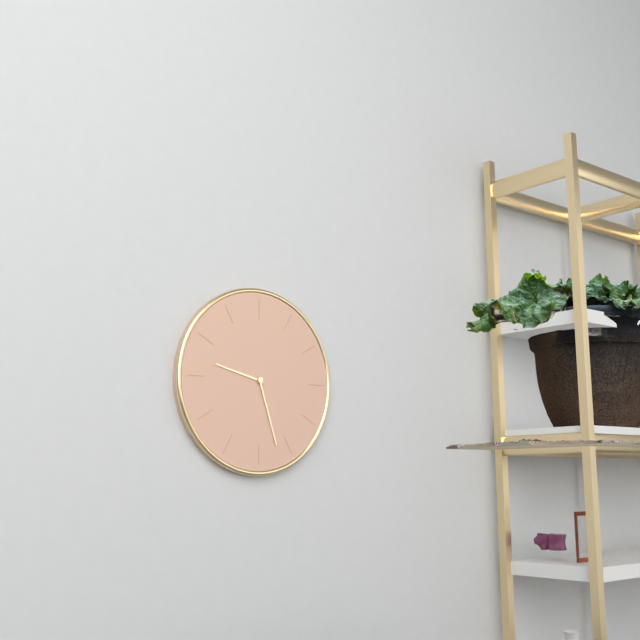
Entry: 9:27
